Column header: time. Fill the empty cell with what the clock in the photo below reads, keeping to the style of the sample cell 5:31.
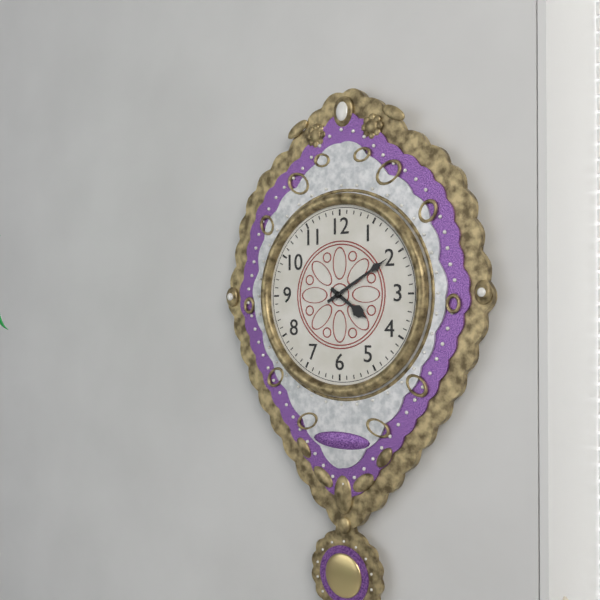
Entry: 4:10
